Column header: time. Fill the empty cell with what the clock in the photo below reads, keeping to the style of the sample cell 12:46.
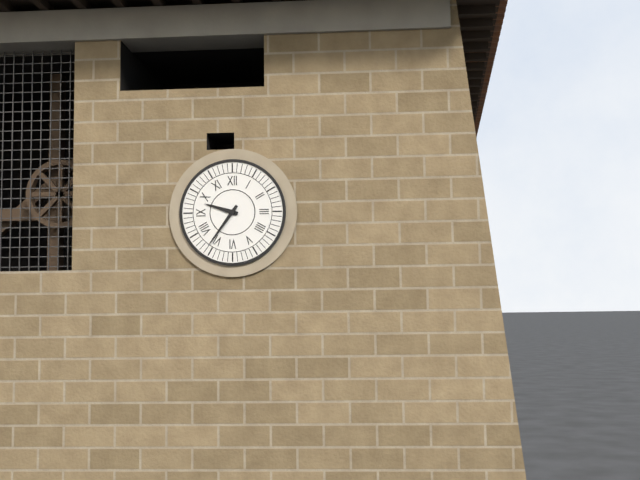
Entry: 9:36
